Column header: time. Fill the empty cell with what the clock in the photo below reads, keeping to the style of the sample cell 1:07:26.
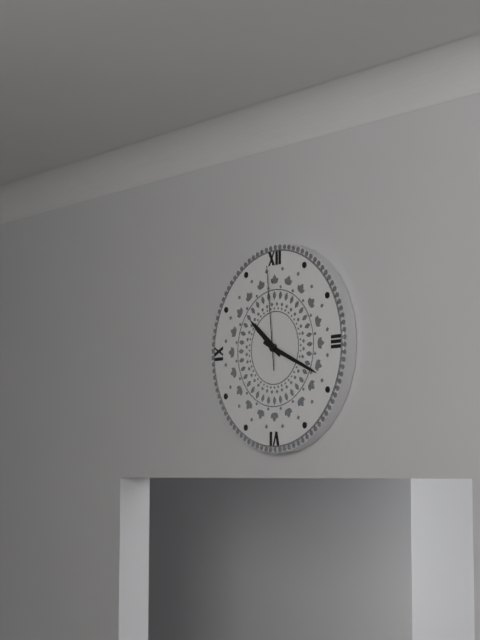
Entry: 10:19:59
